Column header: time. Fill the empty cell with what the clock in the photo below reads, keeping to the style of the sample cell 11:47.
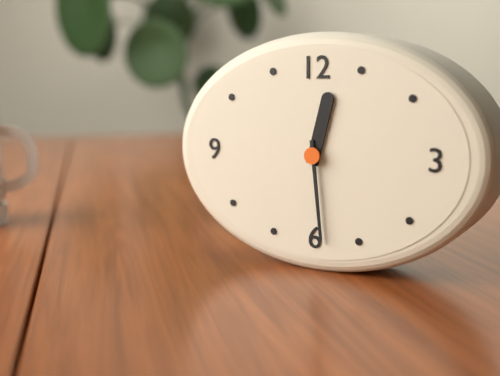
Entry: 12:29
